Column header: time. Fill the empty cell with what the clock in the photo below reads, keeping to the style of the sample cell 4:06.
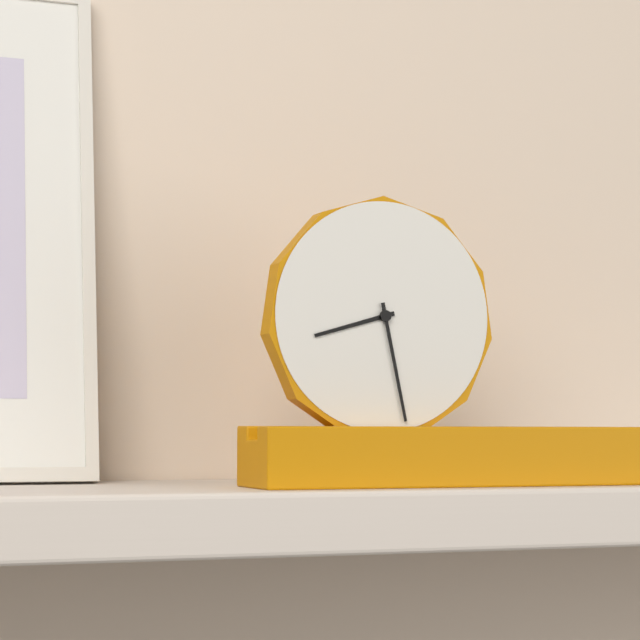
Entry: 8:28
